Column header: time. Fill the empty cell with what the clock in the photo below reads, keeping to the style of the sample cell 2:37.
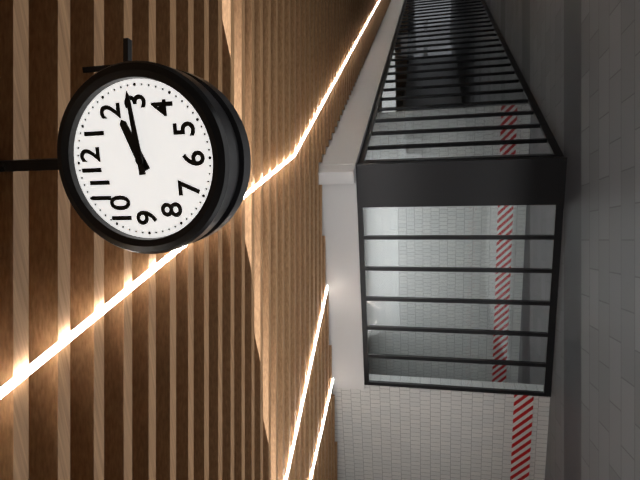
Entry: 2:14
